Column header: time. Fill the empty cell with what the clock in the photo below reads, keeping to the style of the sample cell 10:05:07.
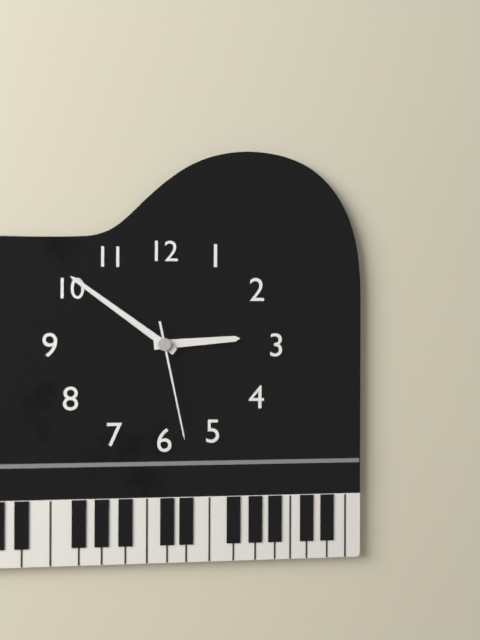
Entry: 2:51:28
